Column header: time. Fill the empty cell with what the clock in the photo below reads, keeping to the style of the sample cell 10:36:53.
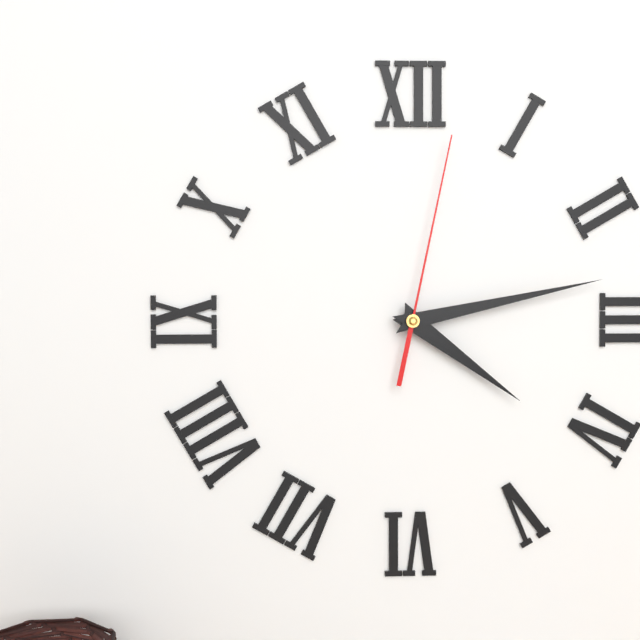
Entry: 4:13:02
